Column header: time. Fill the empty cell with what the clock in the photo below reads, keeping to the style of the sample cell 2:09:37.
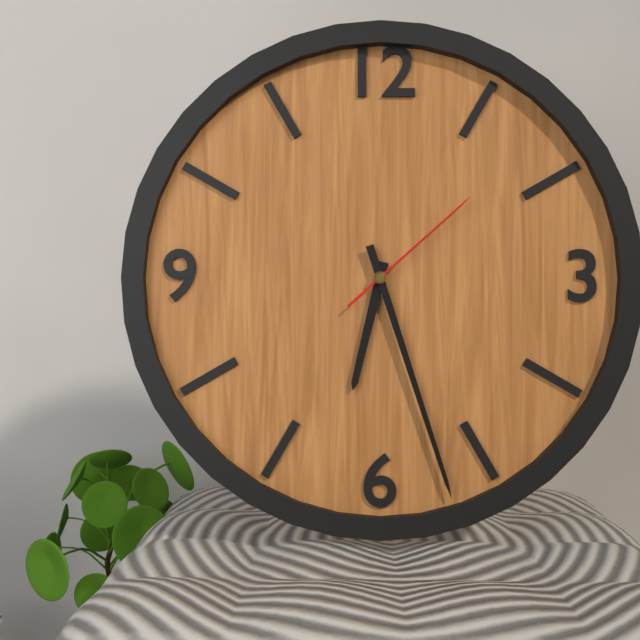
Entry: 6:27:08
